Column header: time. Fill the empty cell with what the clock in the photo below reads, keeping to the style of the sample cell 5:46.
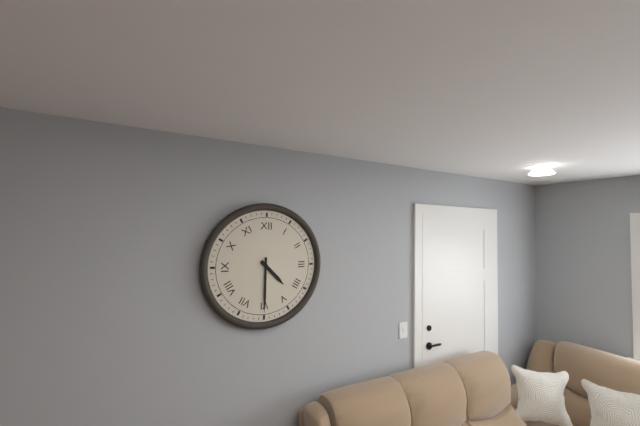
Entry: 4:30
